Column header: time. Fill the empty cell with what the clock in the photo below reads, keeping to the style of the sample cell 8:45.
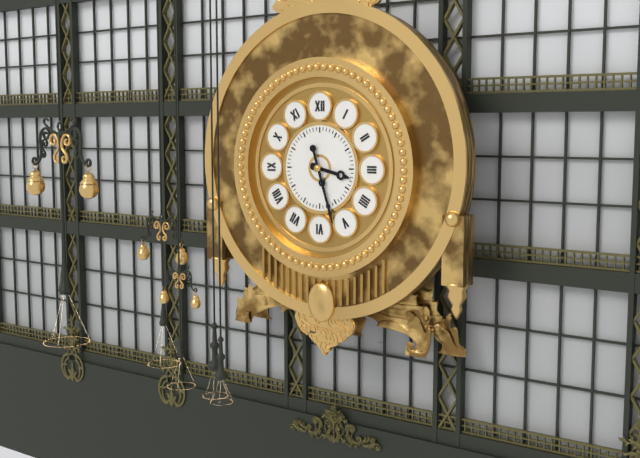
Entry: 3:27
